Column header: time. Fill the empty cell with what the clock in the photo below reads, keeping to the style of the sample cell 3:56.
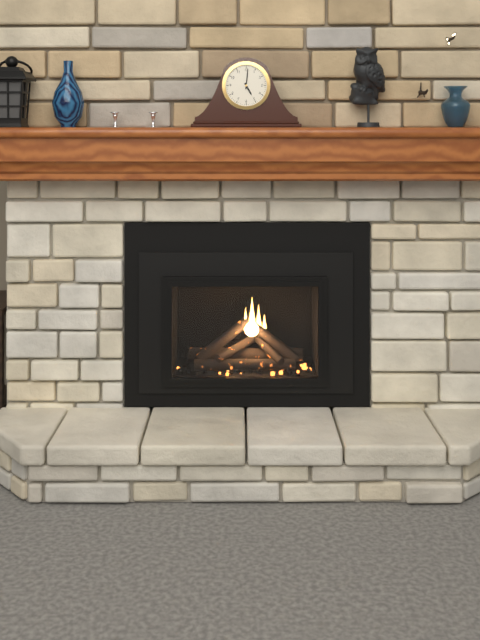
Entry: 5:01
